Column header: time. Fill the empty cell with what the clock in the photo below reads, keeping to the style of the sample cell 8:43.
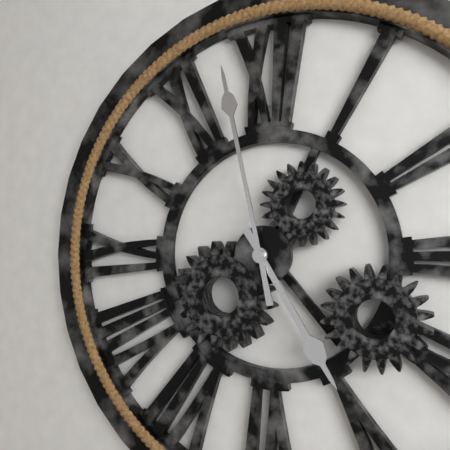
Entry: 4:58
